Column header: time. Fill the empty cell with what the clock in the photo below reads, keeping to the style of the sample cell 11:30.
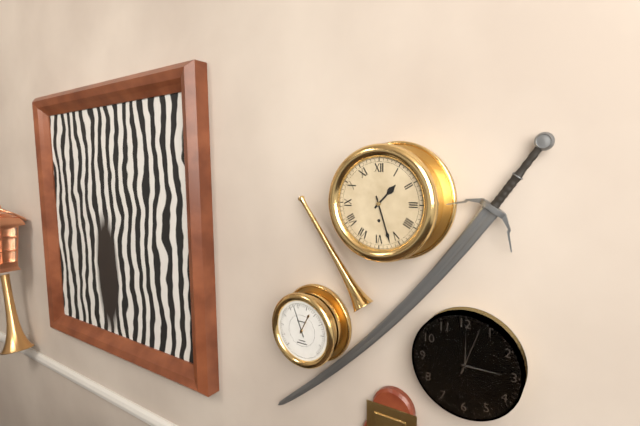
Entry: 1:27
